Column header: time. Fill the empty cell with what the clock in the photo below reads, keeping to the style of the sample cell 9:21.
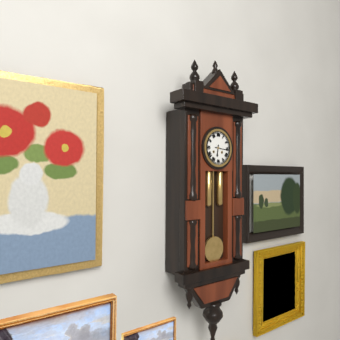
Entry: 6:16
